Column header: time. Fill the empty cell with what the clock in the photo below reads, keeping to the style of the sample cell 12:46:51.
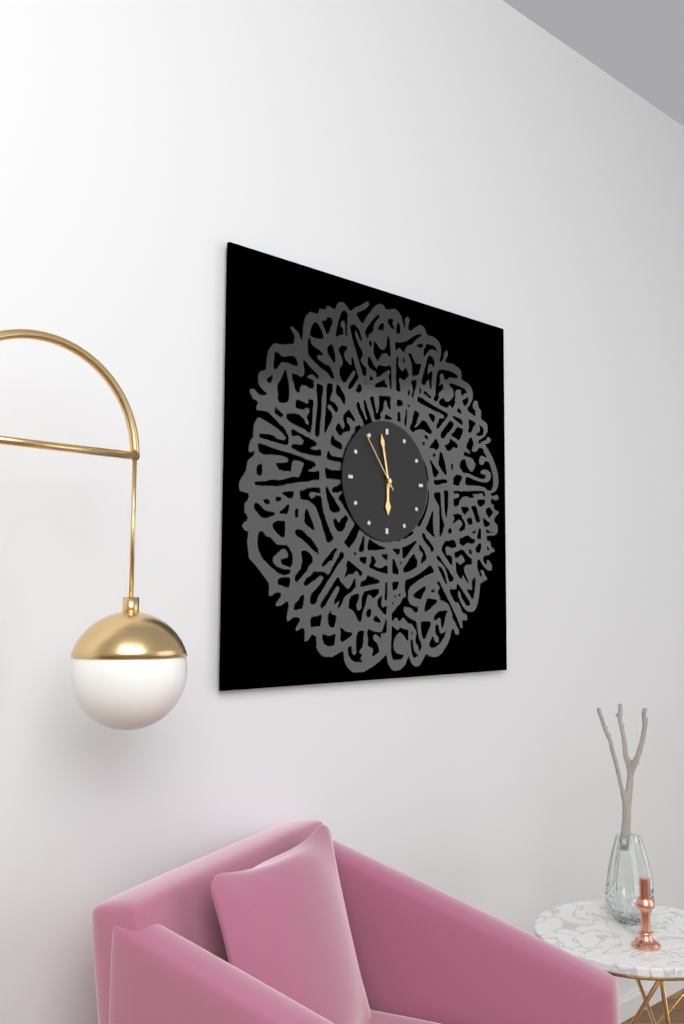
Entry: 5:58:54
